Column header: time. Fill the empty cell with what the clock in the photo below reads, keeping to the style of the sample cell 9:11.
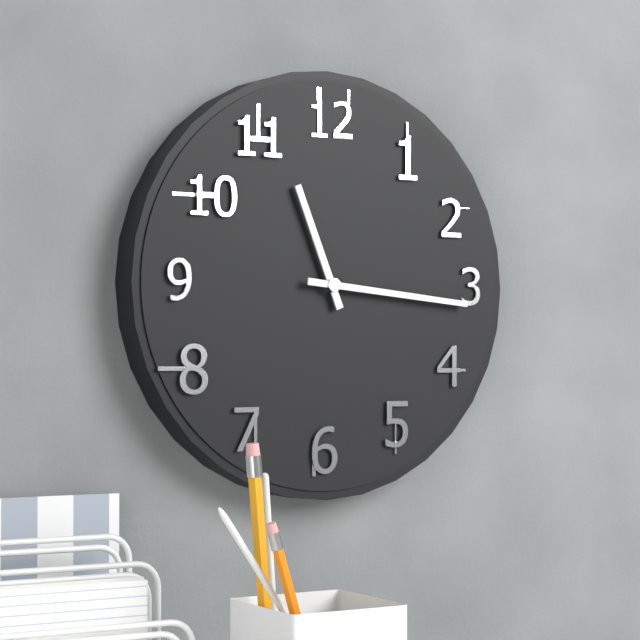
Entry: 11:16
